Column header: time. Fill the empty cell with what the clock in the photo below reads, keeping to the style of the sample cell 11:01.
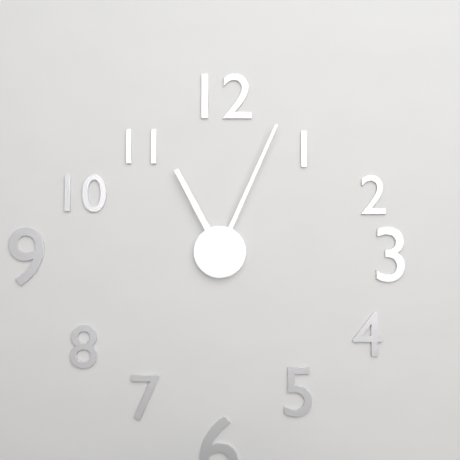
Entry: 11:04
